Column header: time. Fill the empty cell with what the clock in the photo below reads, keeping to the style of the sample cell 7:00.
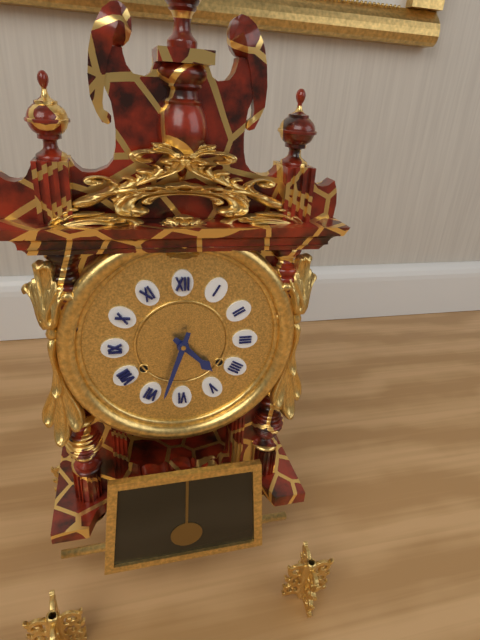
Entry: 4:33
